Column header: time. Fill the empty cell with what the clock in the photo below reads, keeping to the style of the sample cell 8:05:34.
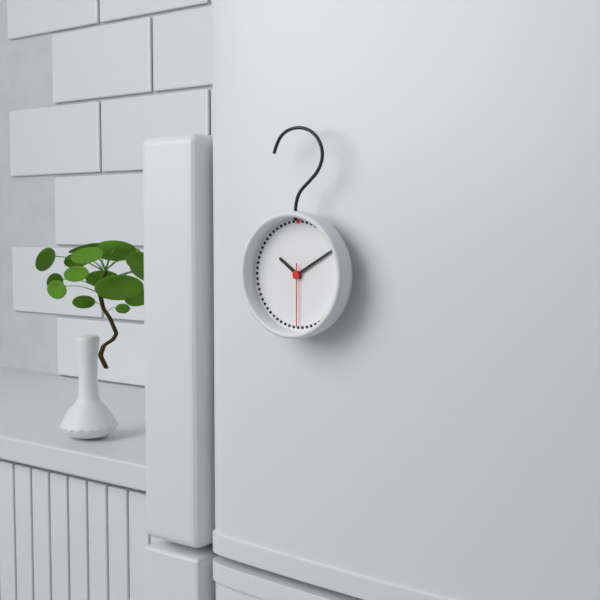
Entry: 10:10:30
